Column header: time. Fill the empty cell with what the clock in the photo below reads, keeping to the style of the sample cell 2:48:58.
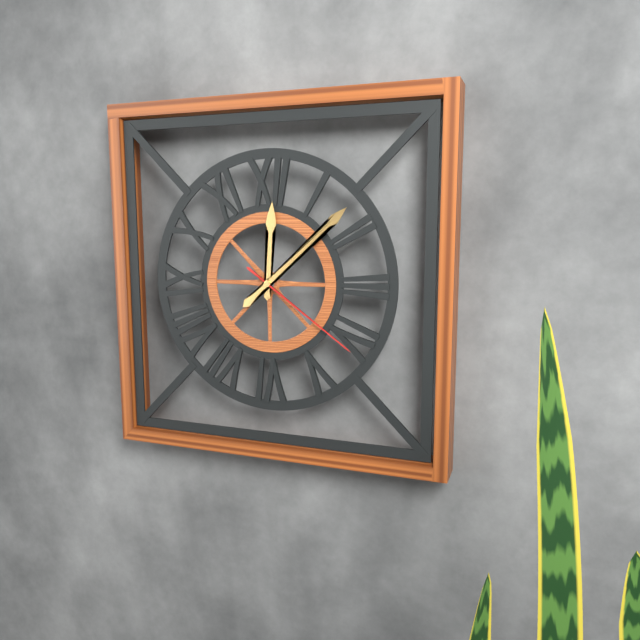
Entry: 12:08:21
